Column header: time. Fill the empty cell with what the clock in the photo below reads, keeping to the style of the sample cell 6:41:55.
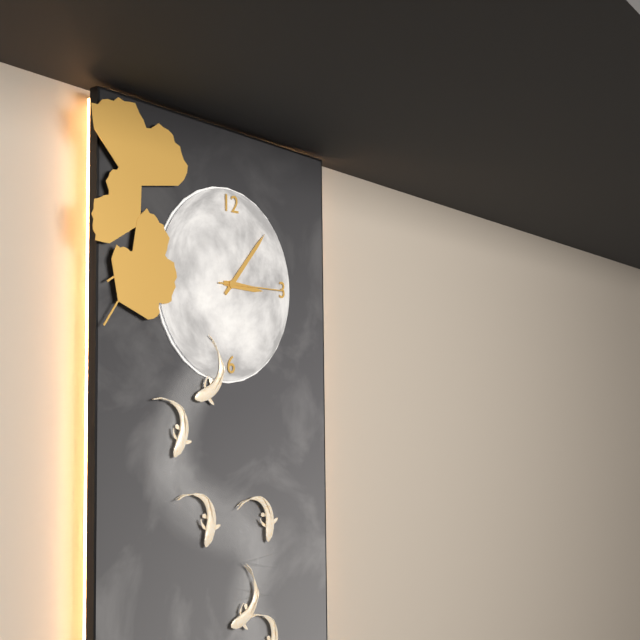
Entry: 3:07:15
